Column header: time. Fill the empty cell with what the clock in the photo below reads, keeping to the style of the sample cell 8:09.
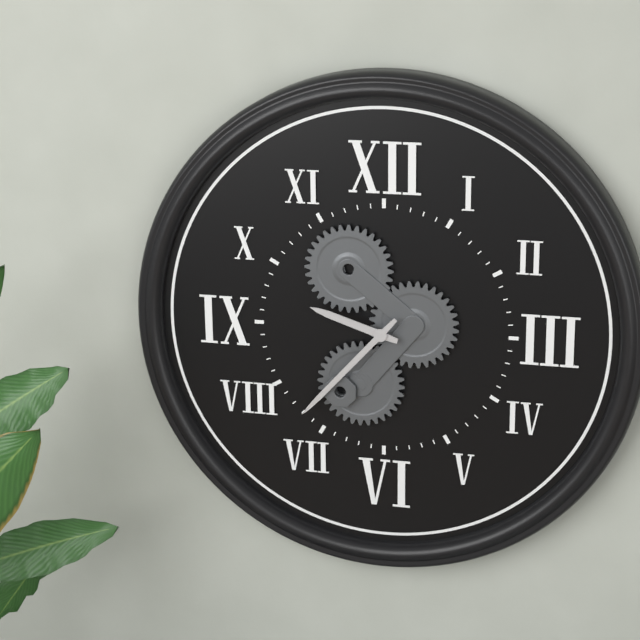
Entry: 9:37
